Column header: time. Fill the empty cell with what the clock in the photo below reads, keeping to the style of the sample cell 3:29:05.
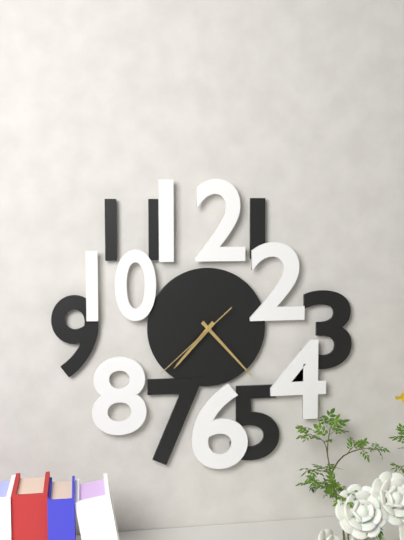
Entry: 7:23:38
